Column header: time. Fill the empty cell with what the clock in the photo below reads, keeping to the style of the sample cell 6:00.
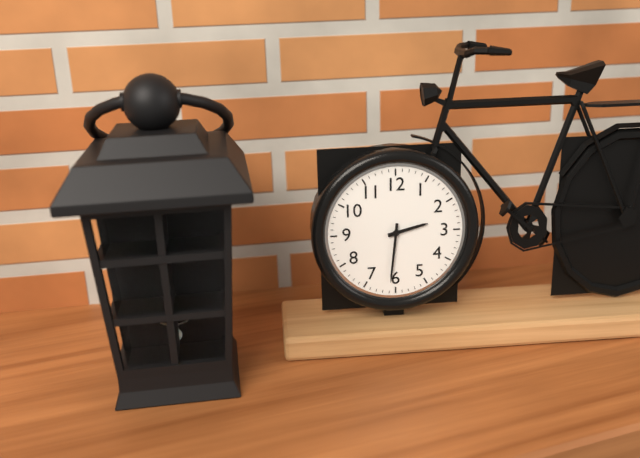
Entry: 2:31
